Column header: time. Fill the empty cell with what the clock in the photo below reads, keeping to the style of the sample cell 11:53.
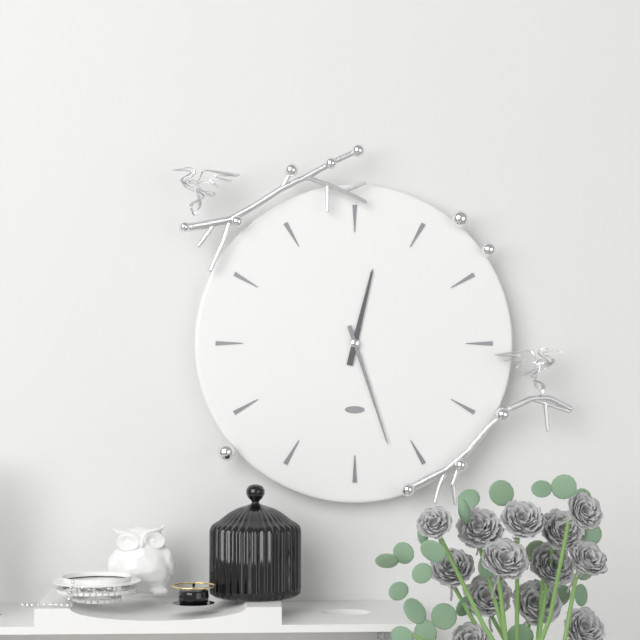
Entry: 12:27
